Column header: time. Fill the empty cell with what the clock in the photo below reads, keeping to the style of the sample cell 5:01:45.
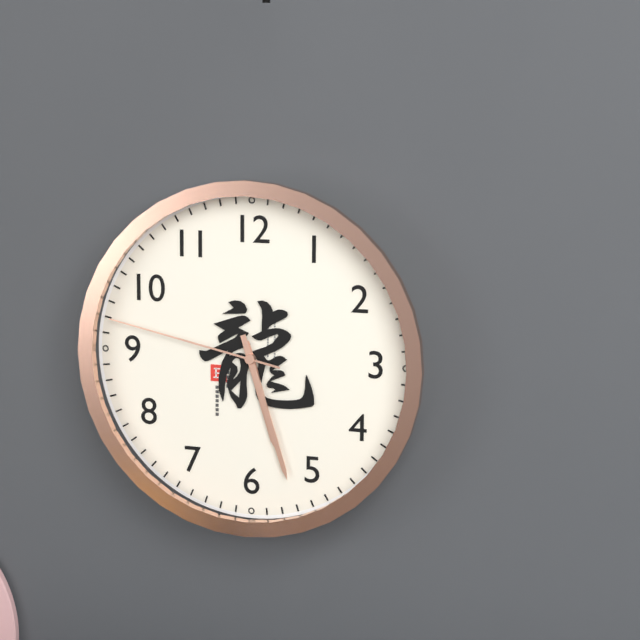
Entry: 5:27:47
